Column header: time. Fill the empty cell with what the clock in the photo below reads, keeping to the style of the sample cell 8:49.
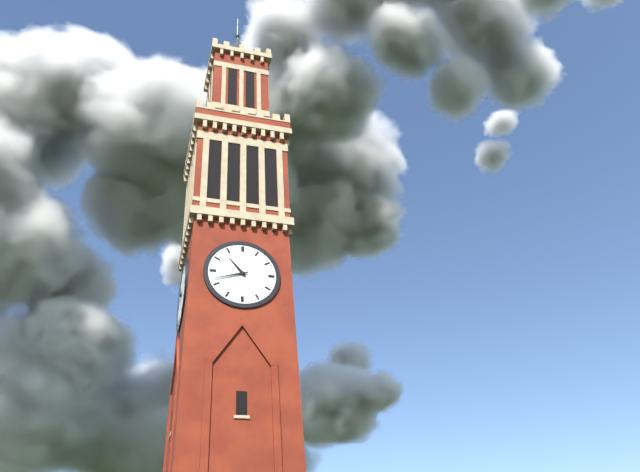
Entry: 10:42
